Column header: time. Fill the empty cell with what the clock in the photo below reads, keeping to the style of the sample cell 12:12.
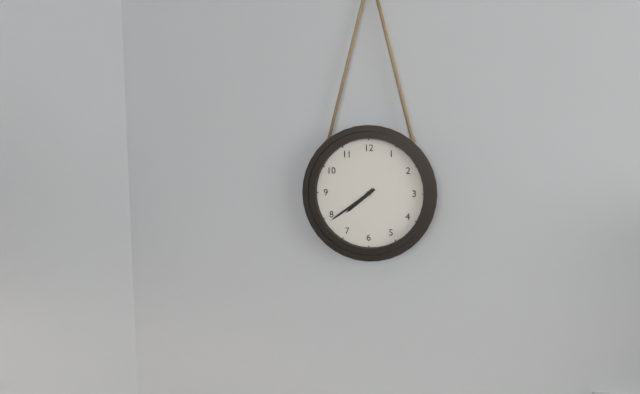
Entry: 7:39
